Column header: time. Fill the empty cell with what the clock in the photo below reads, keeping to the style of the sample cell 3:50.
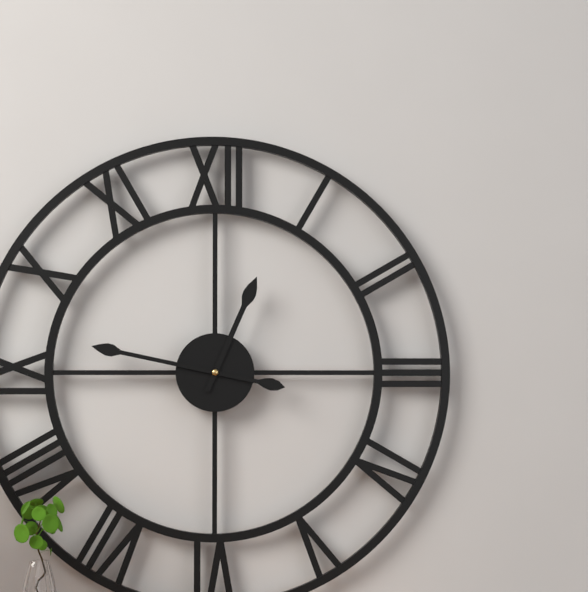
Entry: 12:47
